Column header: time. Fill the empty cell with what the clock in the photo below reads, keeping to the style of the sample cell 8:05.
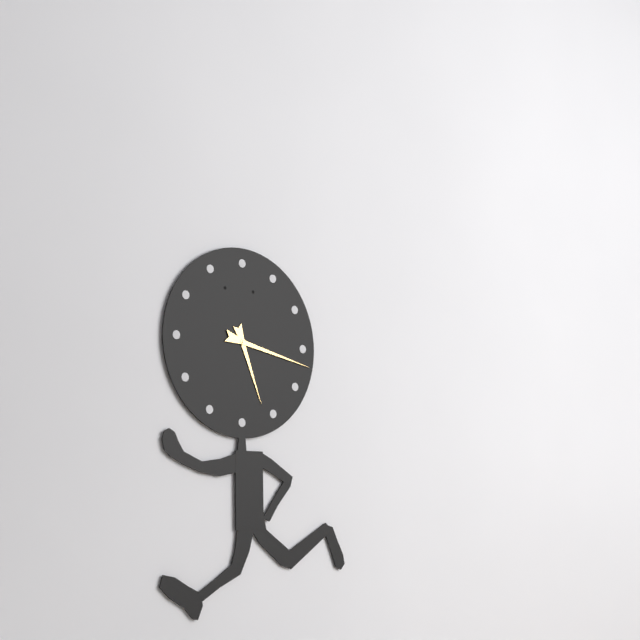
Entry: 5:17
